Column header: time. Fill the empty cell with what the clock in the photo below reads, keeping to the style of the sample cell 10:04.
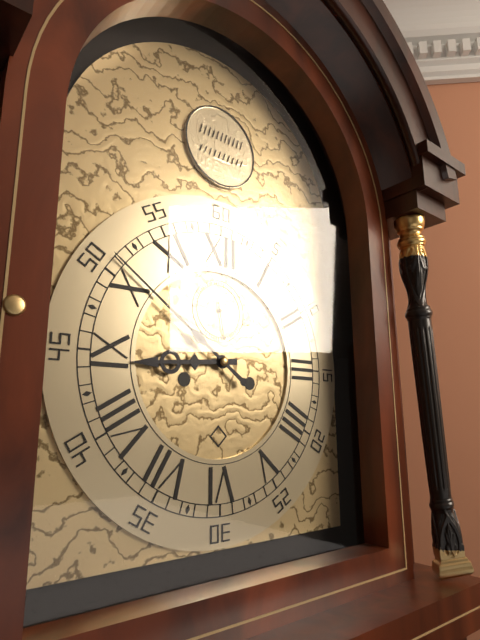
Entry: 8:51
